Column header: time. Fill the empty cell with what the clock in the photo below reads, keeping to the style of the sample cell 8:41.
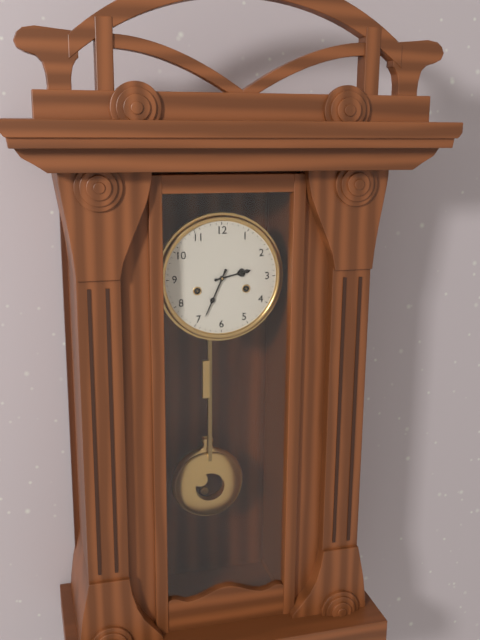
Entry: 2:34
